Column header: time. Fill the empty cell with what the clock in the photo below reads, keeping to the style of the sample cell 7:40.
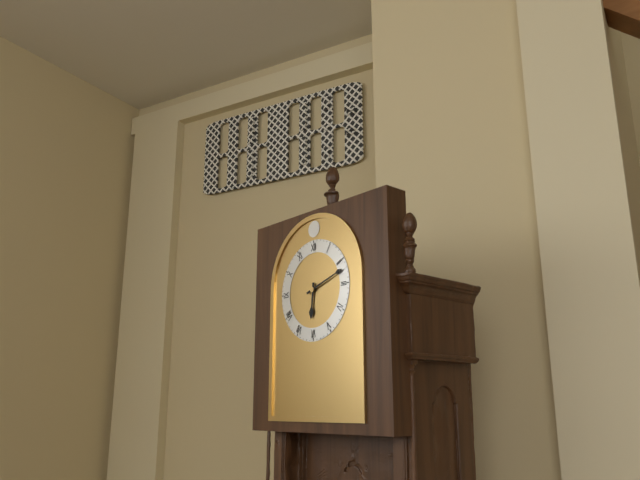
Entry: 6:12
